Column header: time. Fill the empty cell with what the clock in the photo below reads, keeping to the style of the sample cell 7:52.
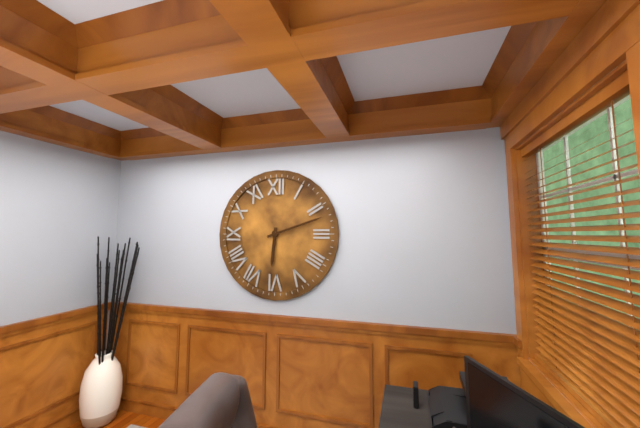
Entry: 6:12
